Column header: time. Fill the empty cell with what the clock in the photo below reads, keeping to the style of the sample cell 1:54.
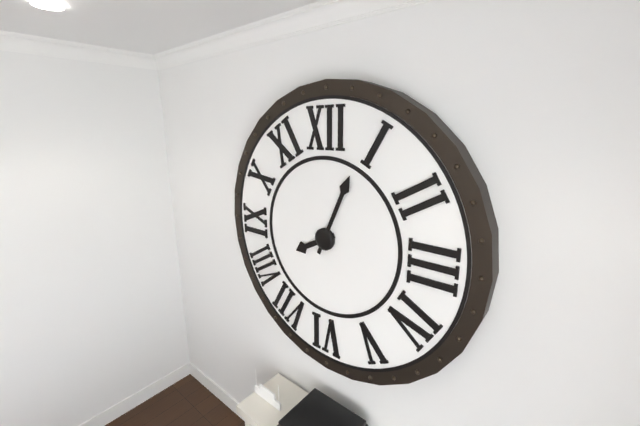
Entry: 8:04
